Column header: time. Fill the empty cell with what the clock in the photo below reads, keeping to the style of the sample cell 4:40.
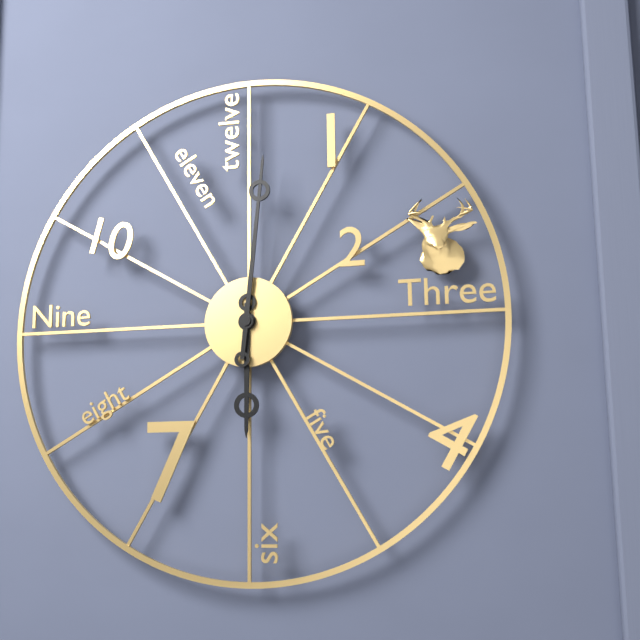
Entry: 6:01
